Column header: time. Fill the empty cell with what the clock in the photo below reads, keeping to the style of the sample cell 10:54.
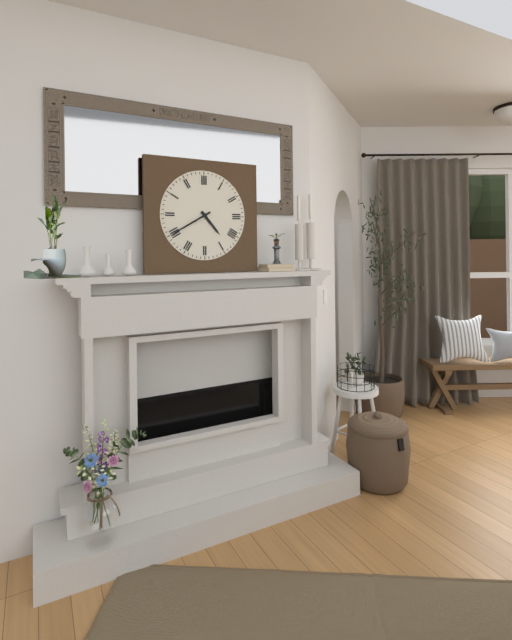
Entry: 4:40
